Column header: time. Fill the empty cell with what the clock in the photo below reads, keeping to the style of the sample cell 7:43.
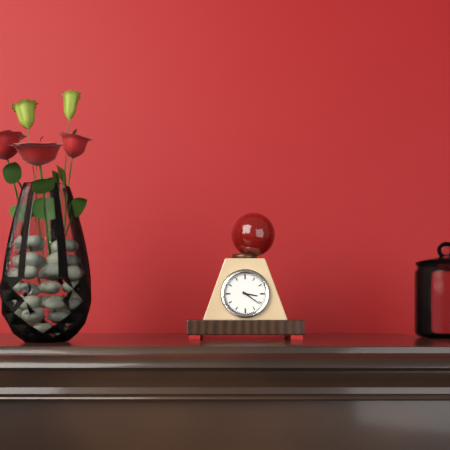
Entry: 3:21
